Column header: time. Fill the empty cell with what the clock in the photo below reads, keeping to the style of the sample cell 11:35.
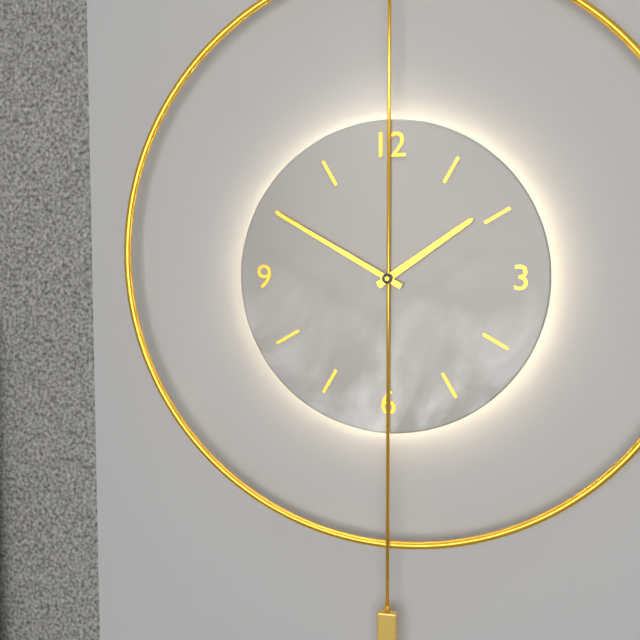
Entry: 1:50
